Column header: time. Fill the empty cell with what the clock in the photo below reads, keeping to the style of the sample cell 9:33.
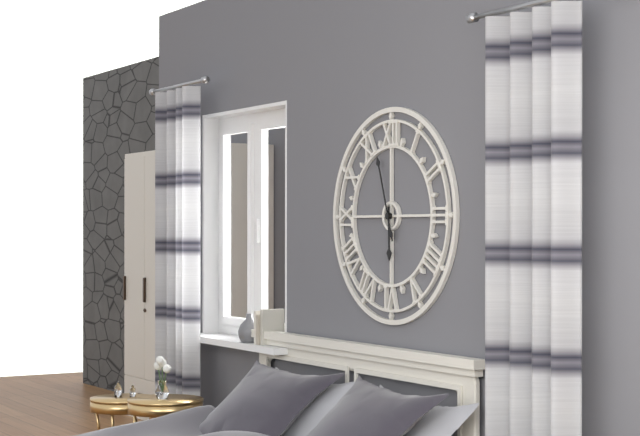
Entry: 5:57
